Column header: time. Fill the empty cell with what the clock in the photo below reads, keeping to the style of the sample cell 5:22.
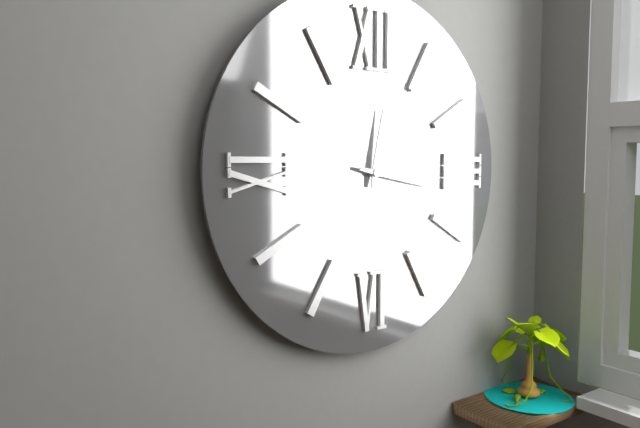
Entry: 12:17
